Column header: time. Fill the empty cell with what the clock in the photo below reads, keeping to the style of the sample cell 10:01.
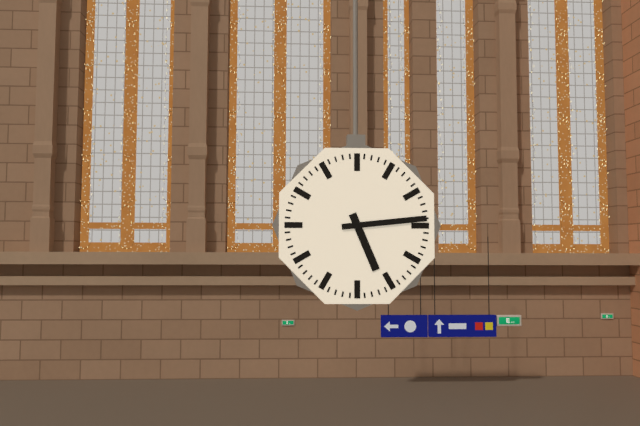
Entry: 5:14
